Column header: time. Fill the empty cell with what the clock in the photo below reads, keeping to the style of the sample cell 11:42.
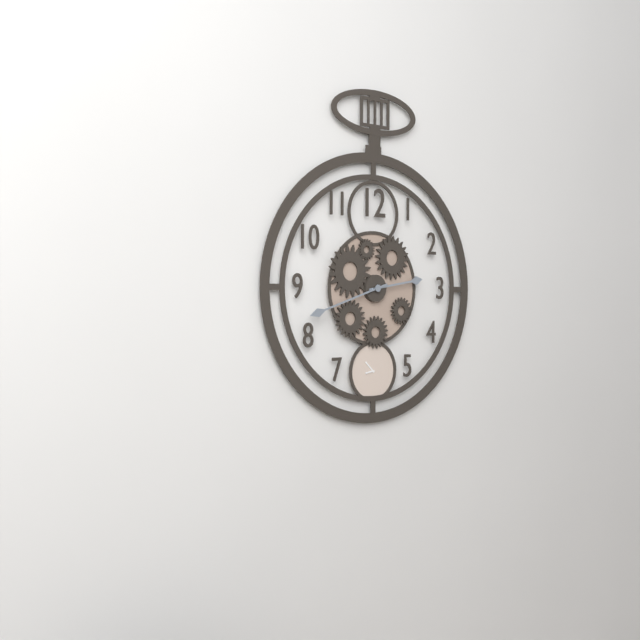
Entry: 2:42
